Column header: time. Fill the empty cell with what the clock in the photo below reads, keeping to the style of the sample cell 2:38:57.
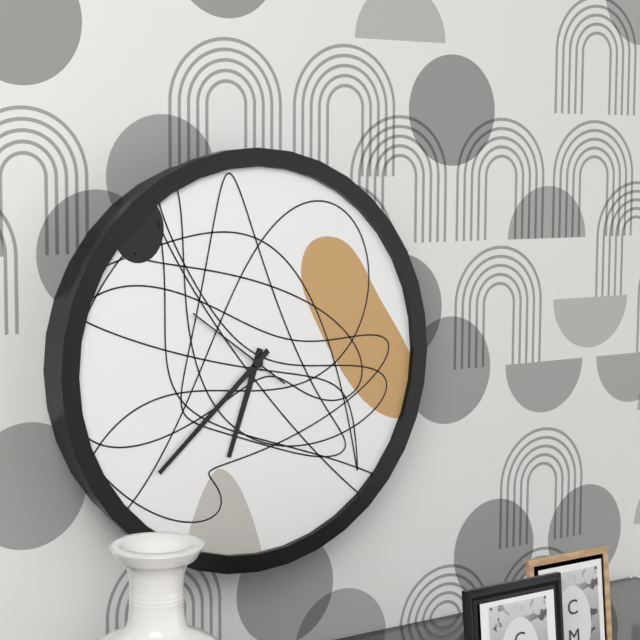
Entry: 6:38:51
